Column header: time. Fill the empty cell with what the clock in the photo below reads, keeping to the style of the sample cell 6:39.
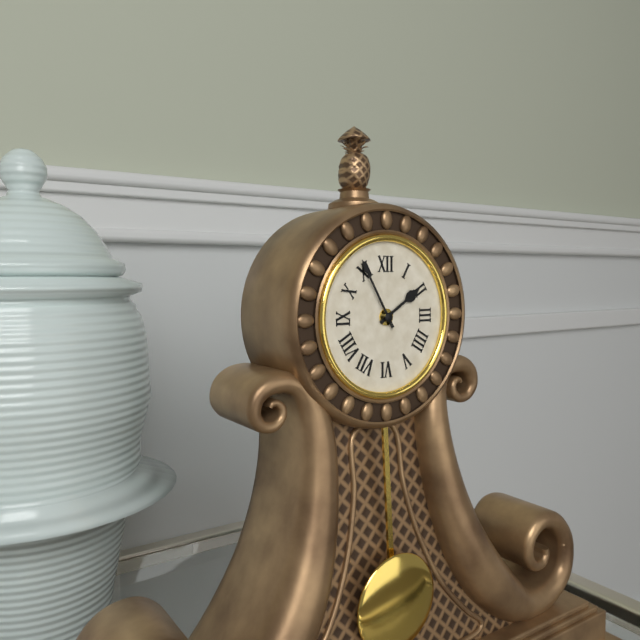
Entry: 1:55
